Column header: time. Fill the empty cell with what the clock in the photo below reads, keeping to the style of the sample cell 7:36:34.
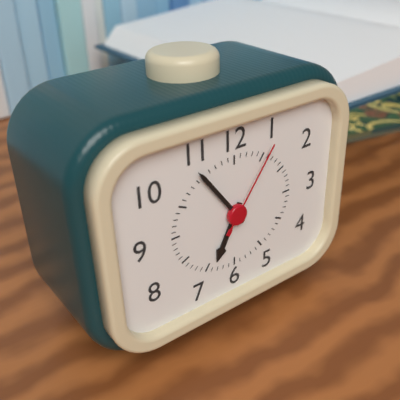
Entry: 6:54:06
